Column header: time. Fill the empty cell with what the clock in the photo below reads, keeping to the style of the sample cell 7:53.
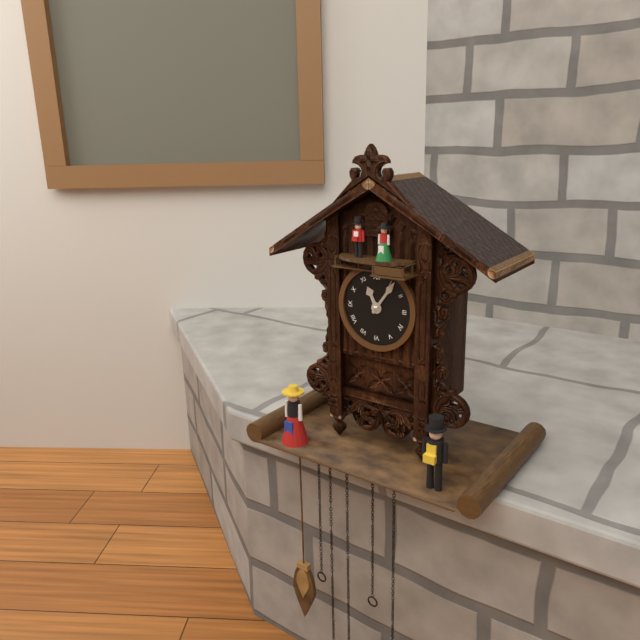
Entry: 11:06
